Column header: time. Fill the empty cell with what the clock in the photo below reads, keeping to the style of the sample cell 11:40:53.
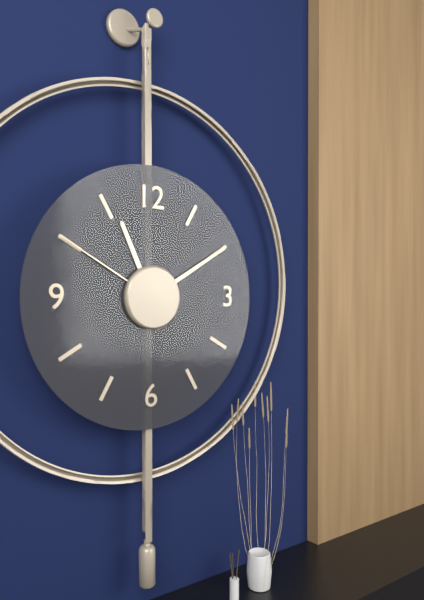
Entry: 11:10:50
